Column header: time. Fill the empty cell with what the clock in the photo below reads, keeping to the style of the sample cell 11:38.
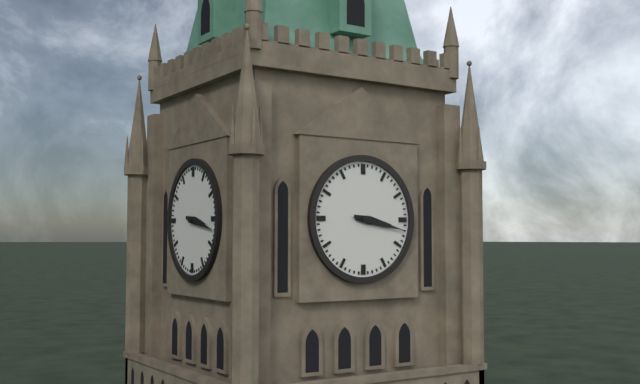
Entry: 3:17
